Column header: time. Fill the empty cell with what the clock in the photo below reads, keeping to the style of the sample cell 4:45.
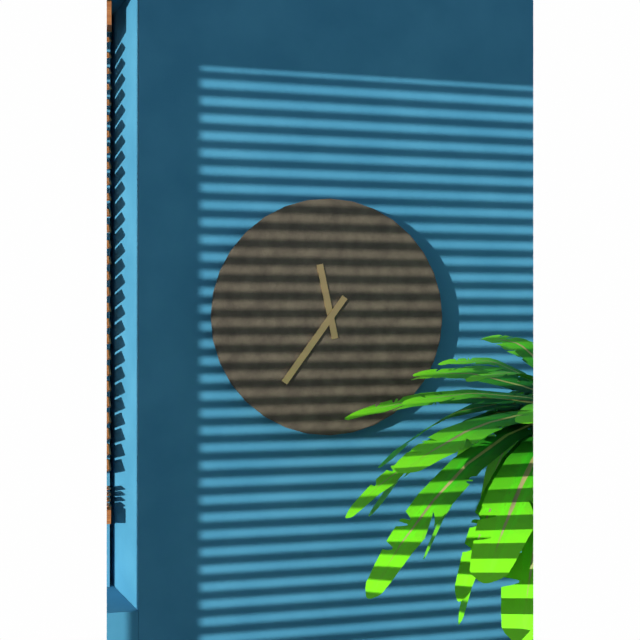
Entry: 11:36
